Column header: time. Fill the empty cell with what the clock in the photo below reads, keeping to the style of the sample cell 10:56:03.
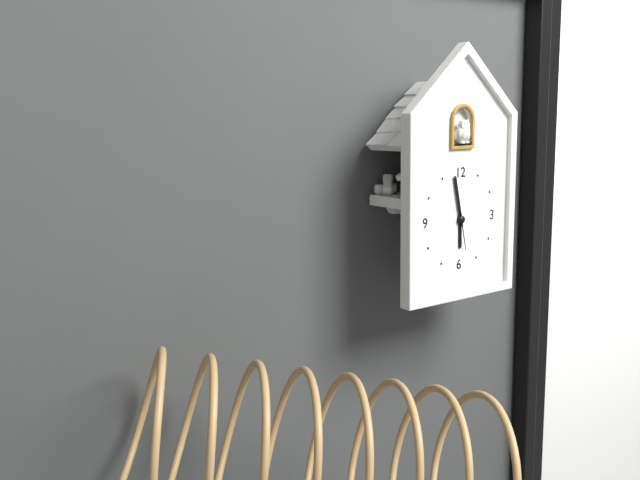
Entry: 5:58:28
